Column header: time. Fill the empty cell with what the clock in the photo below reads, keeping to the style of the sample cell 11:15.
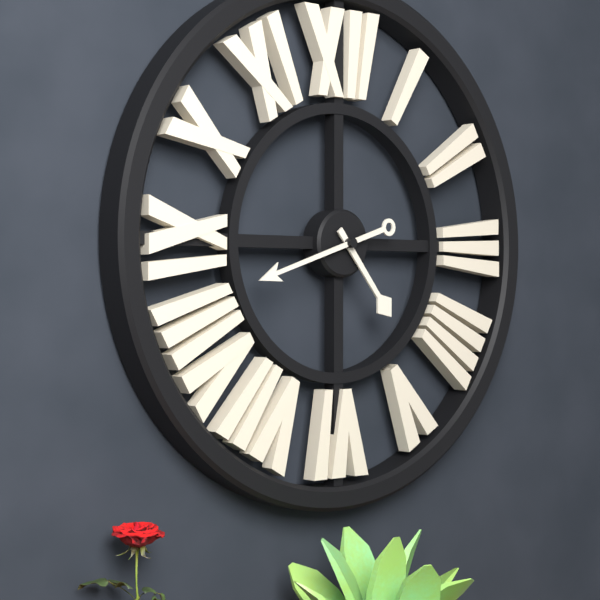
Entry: 4:42
